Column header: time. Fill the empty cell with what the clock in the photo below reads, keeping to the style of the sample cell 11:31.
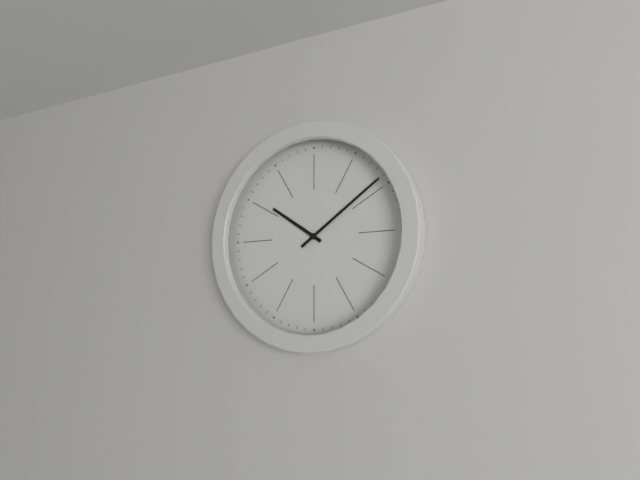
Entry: 10:09
